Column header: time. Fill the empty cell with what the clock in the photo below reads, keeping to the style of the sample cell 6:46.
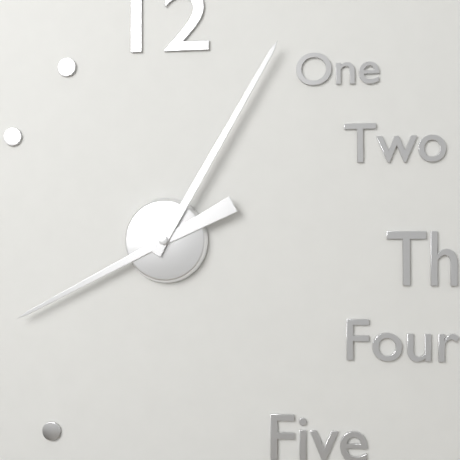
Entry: 8:05
